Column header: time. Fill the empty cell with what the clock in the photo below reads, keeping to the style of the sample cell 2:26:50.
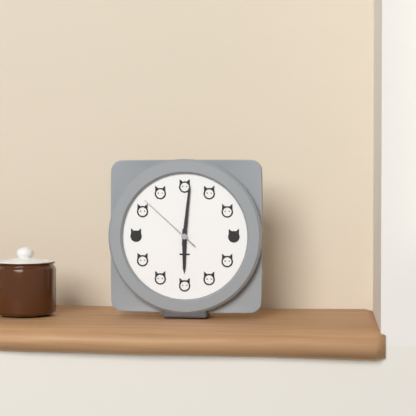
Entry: 6:01:52
